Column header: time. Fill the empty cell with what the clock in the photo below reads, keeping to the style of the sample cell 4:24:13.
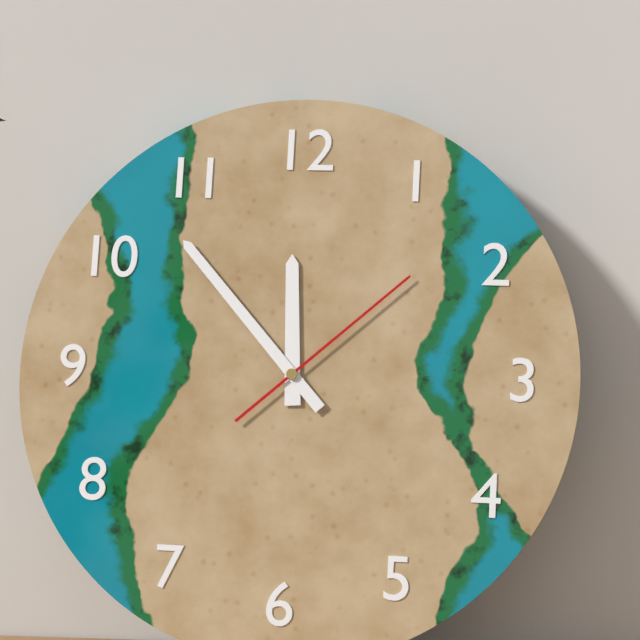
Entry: 11:53:08
